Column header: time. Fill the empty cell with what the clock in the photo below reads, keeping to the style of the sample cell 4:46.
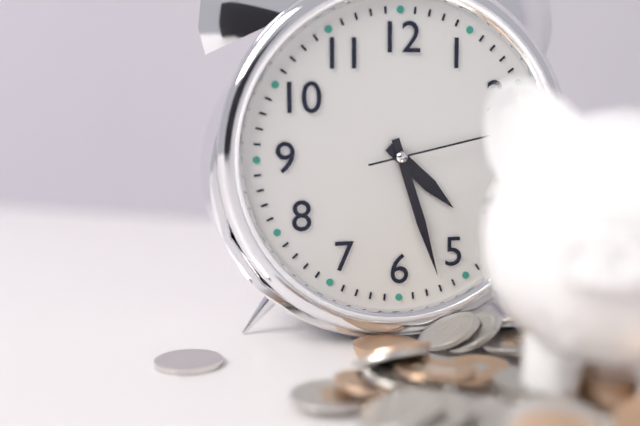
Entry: 4:27
